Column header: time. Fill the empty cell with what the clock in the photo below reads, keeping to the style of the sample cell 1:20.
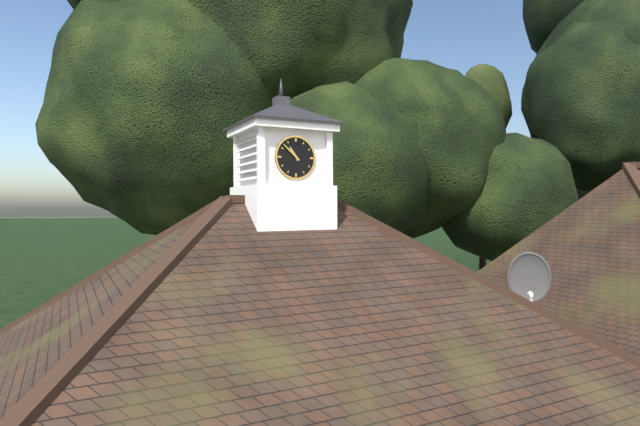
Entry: 10:52
